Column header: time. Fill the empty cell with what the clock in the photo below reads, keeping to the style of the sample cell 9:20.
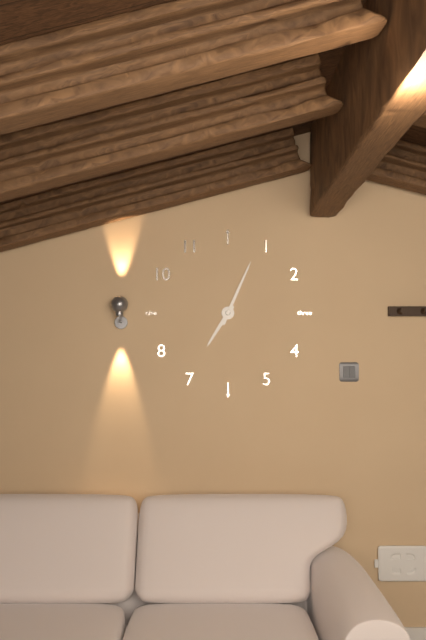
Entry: 7:04
